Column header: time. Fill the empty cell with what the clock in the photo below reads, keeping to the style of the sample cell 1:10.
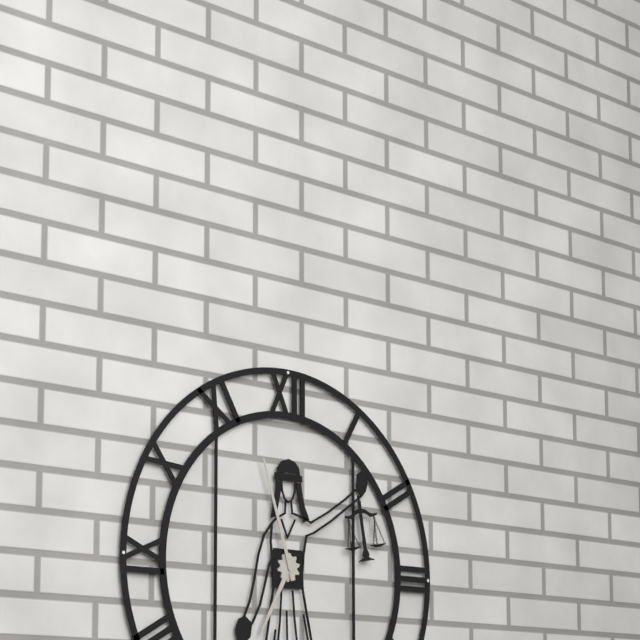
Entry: 6:57
